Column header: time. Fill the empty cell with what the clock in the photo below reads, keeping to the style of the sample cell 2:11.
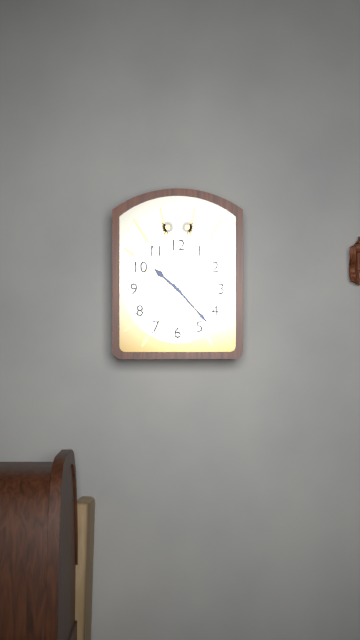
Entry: 10:23
